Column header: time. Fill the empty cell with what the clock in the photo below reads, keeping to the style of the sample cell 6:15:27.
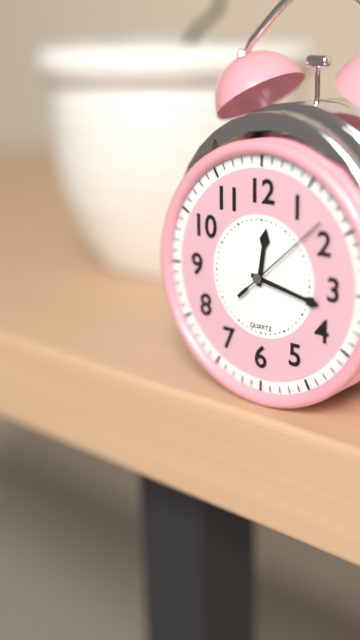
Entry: 12:17:08
